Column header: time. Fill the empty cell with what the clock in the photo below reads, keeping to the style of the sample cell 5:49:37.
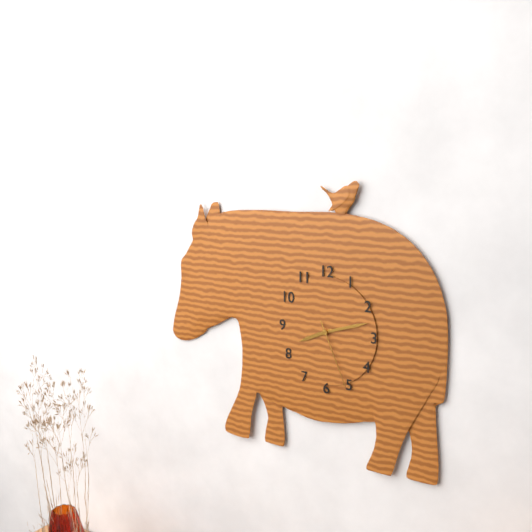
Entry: 8:12:26
